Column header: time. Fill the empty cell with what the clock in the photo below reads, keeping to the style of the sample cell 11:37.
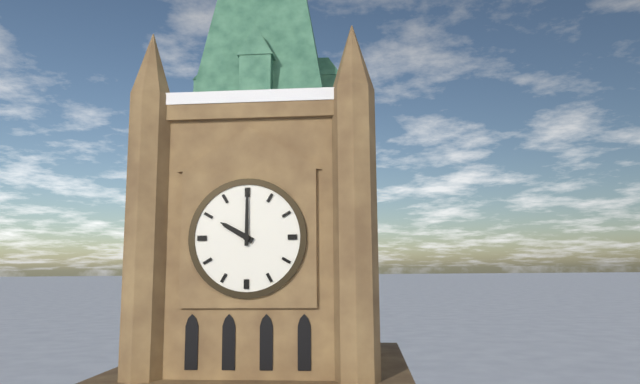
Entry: 10:00
